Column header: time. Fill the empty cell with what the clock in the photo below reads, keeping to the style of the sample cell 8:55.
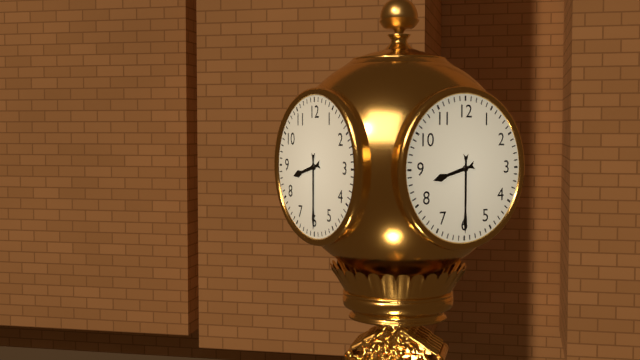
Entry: 8:30
